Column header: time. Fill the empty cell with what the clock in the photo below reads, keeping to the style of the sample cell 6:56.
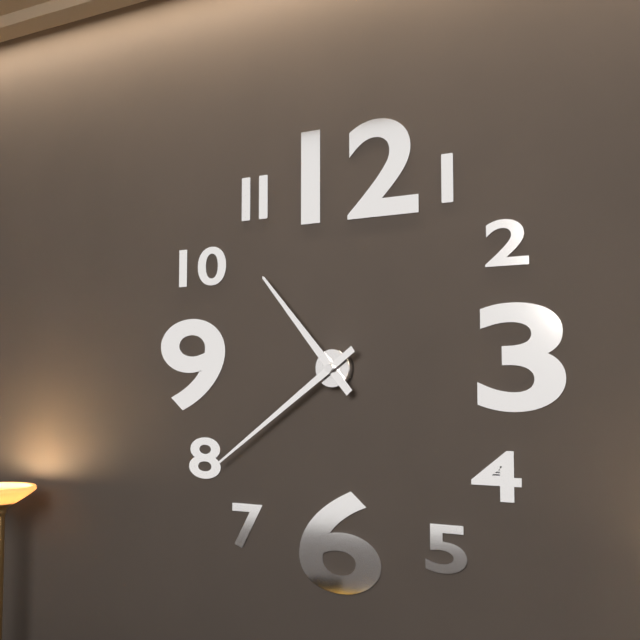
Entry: 10:39
